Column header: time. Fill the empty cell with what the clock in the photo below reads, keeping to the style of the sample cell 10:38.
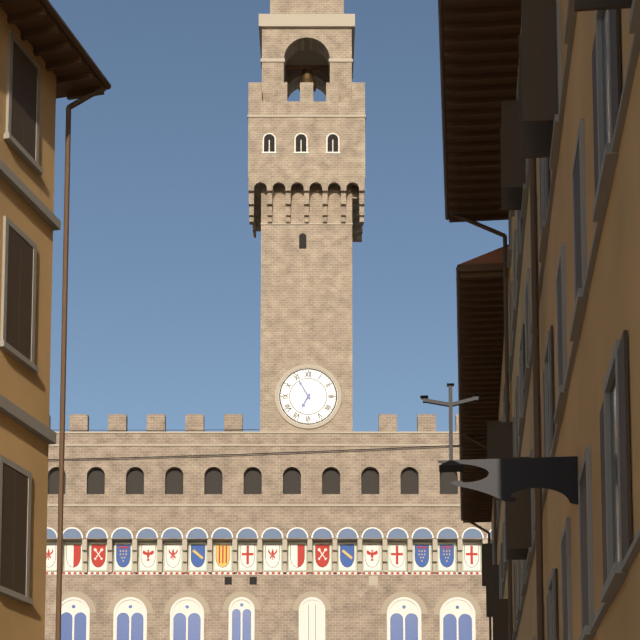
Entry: 6:55
